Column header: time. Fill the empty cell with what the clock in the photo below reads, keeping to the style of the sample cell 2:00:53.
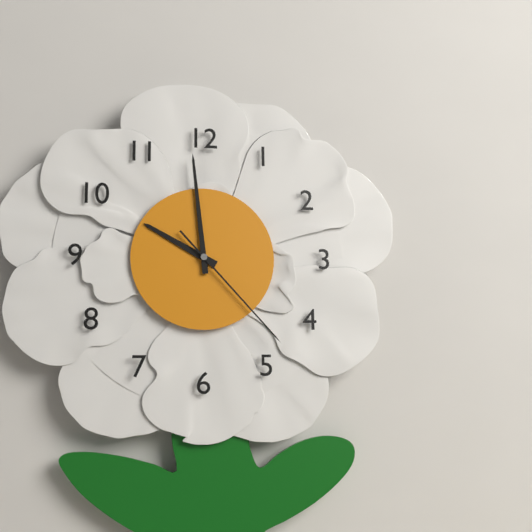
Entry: 9:59:23
